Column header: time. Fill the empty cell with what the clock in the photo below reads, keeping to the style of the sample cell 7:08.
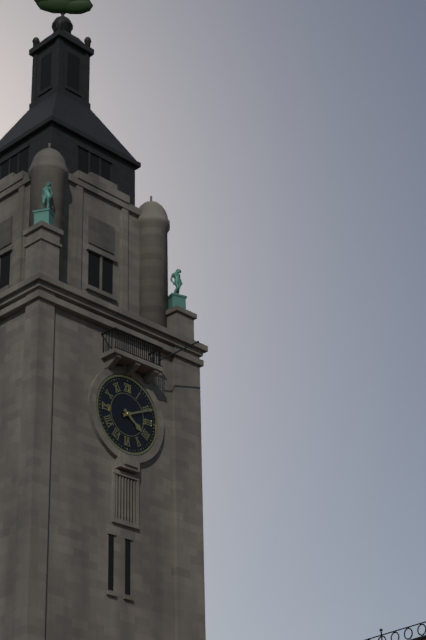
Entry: 4:11
